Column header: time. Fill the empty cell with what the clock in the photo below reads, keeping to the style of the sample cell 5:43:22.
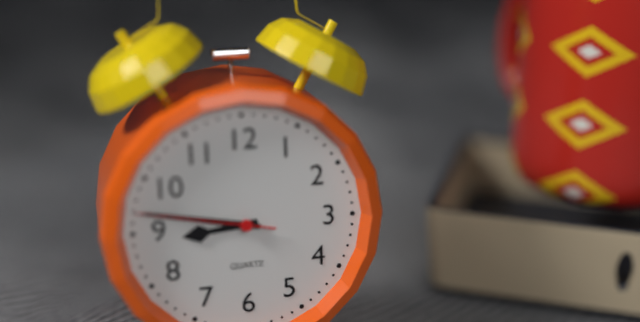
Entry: 8:47:47
